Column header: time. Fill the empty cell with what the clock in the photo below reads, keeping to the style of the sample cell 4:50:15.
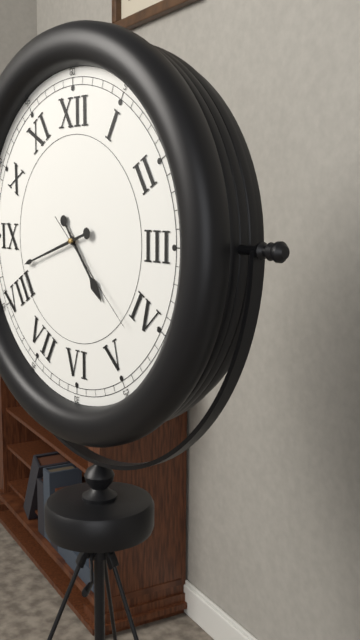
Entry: 4:42:22
